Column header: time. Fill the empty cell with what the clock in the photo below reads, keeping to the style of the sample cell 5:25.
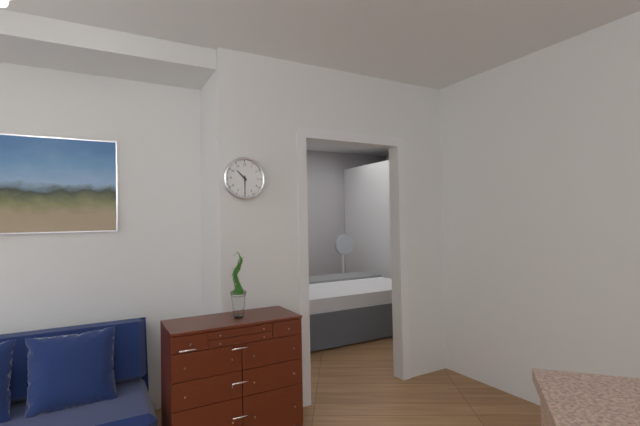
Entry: 10:30
